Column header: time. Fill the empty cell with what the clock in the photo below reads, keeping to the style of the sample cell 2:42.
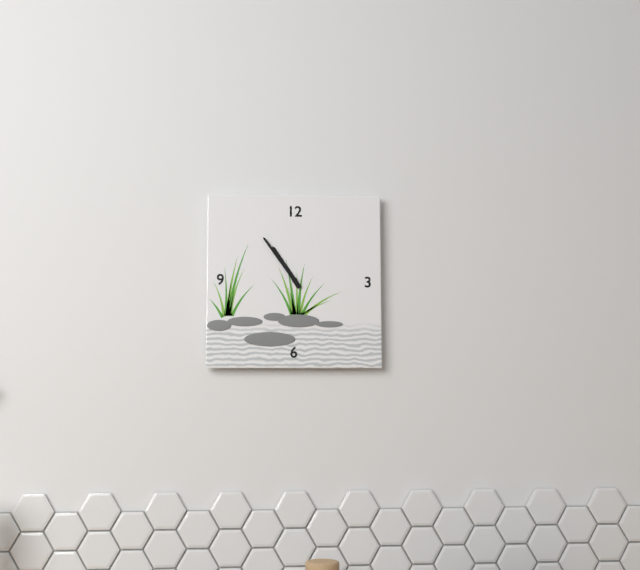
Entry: 10:54
